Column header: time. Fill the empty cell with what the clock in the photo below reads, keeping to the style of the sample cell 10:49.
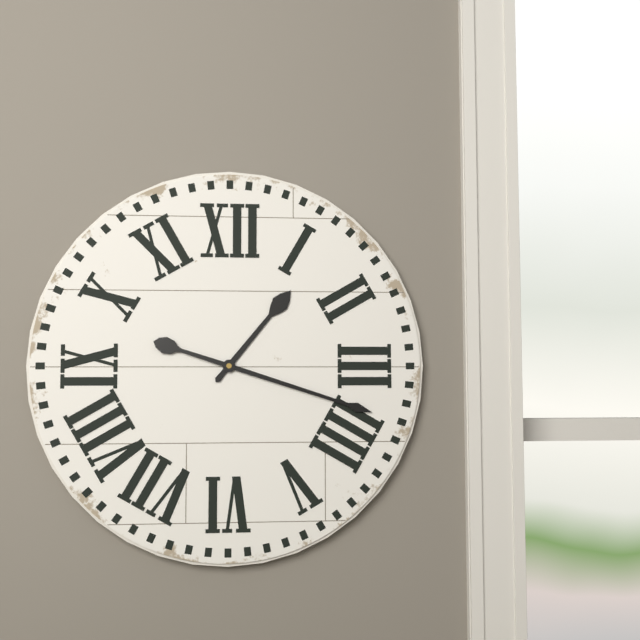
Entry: 1:18
